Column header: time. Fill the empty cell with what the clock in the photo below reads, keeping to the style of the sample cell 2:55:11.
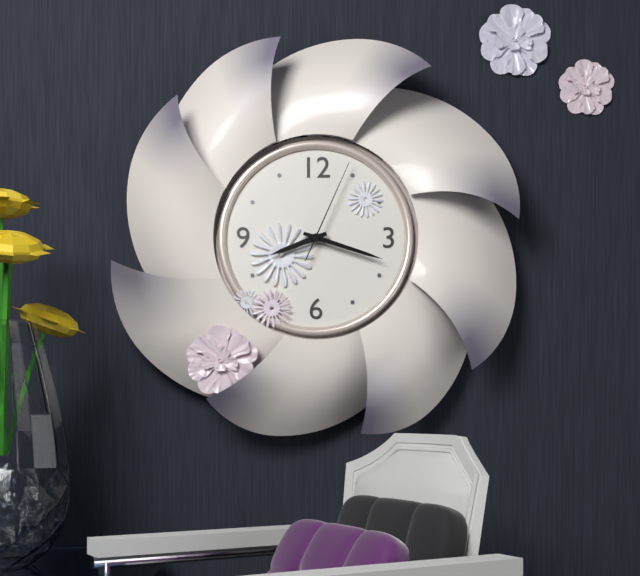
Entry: 8:18:04
